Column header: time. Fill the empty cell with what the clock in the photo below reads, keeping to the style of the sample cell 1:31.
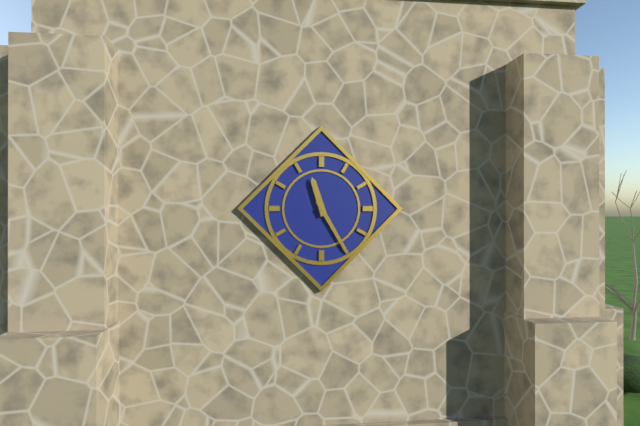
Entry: 11:25
